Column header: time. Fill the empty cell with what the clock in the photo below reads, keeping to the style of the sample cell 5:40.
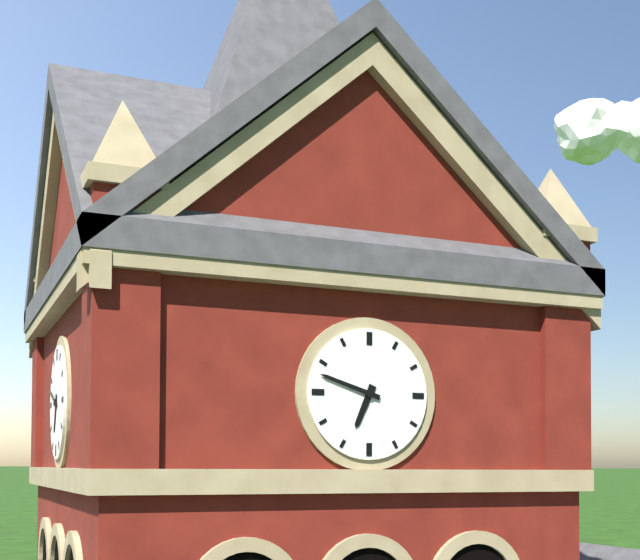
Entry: 6:48
